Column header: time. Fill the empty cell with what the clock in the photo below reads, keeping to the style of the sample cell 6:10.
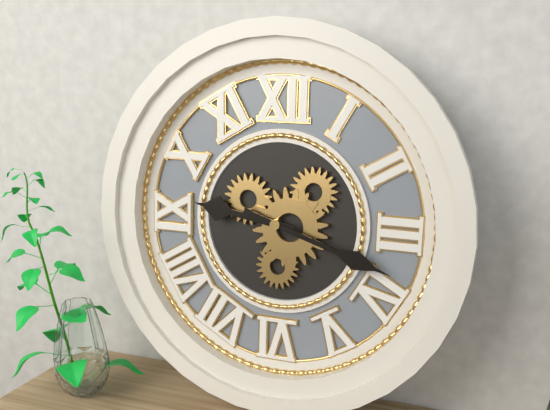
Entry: 9:18
